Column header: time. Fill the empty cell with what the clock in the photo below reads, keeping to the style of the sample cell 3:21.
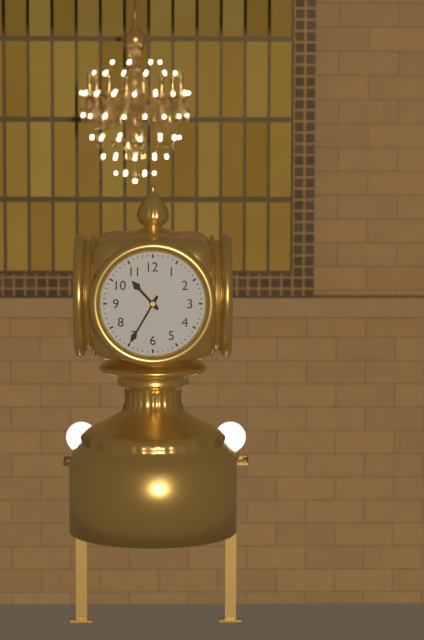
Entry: 10:35
